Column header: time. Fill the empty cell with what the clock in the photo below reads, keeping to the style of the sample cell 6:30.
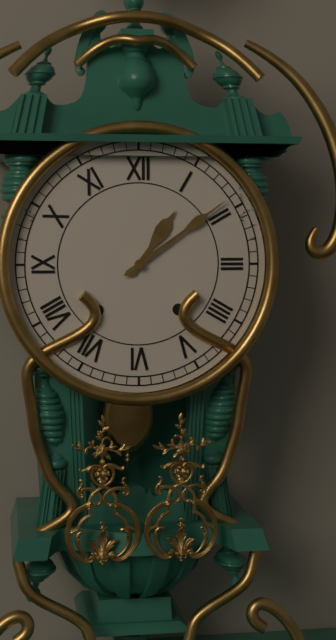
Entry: 1:09
